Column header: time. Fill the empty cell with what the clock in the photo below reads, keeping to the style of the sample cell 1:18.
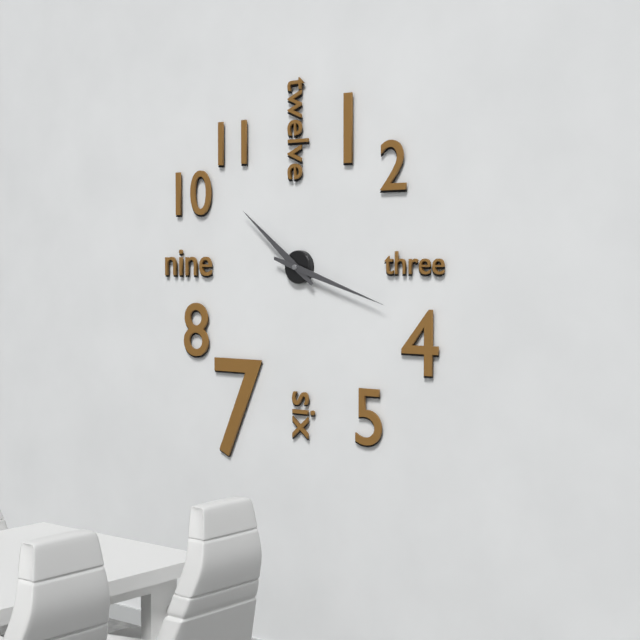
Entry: 10:18
